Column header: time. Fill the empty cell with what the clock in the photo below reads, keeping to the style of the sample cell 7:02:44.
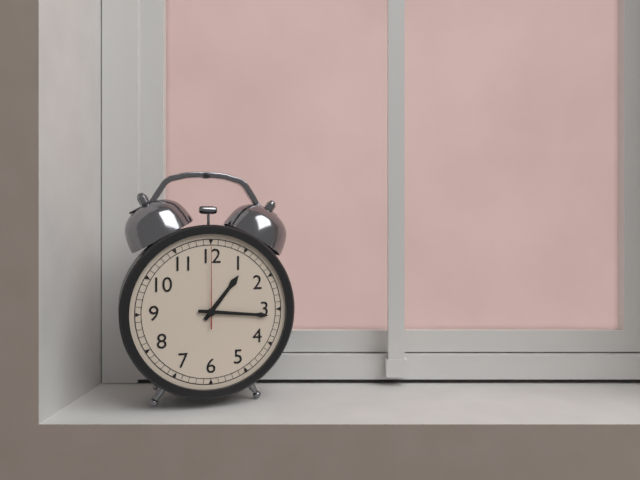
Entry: 1:16:00
